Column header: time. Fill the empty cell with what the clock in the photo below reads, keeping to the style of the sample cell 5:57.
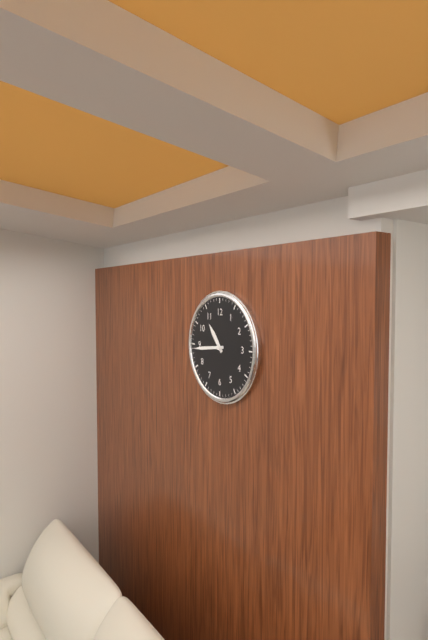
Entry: 10:44
